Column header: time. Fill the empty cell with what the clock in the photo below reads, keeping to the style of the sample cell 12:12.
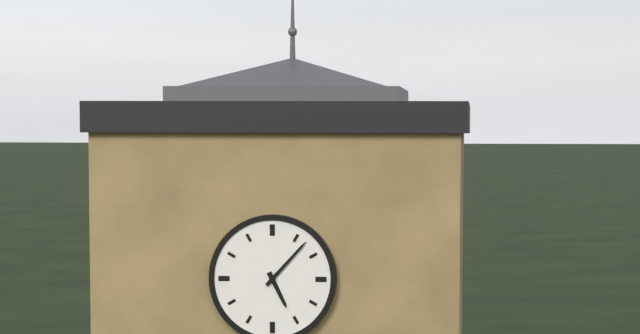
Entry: 5:07
